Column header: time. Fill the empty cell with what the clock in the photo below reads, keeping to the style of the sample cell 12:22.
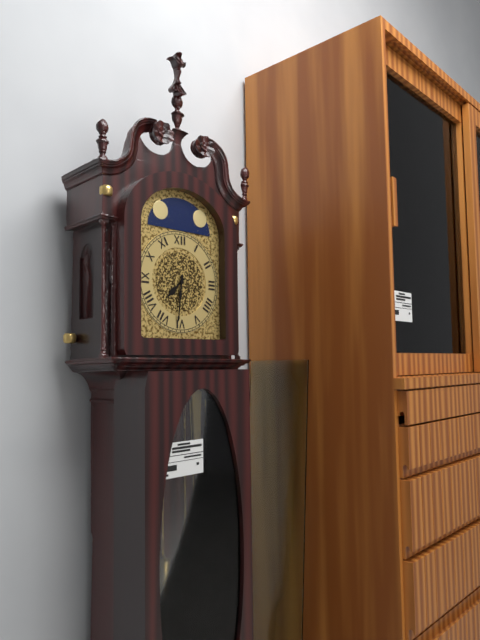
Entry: 7:31
